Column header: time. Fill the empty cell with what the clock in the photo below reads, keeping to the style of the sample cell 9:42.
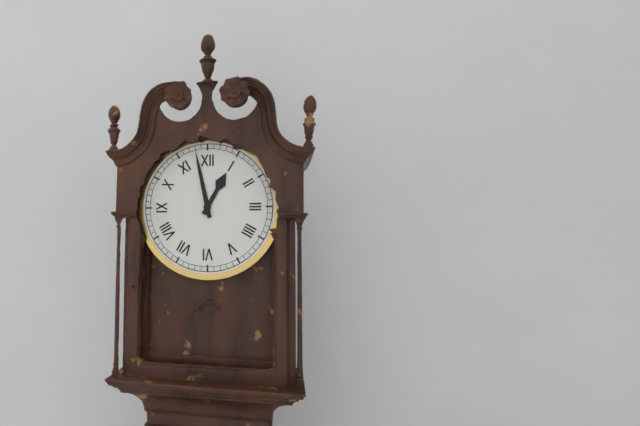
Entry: 12:58
